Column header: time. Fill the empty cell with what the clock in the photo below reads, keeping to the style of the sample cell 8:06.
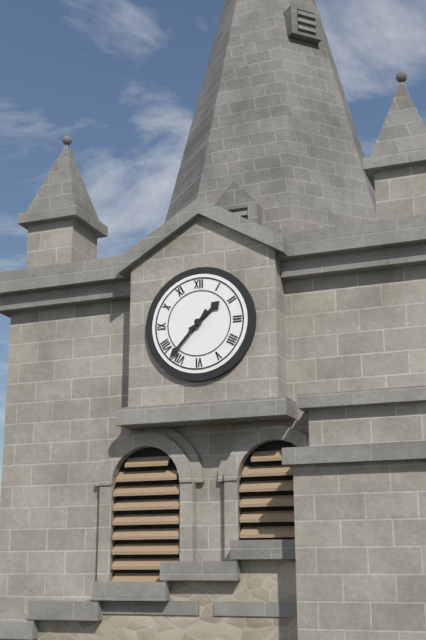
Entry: 1:37
